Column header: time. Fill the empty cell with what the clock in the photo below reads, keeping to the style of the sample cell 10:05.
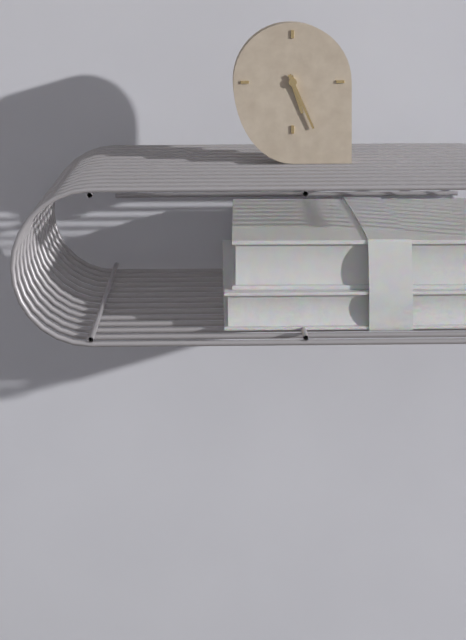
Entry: 5:26
